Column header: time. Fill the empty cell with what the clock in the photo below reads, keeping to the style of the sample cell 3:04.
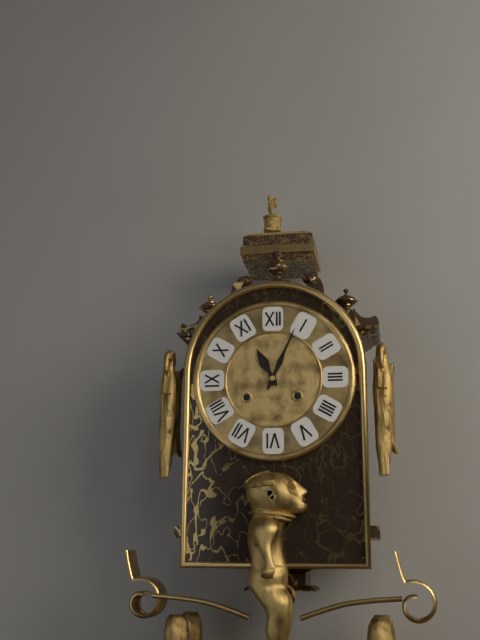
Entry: 11:04
